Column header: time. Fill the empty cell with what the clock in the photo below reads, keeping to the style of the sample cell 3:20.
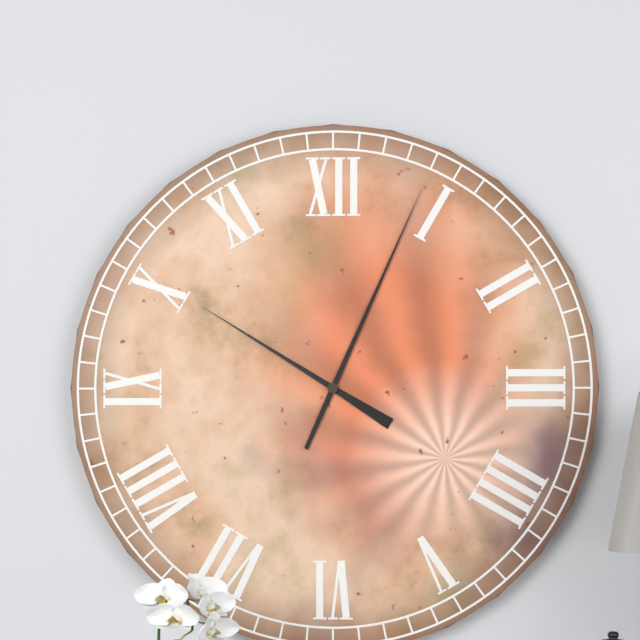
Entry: 10:04
